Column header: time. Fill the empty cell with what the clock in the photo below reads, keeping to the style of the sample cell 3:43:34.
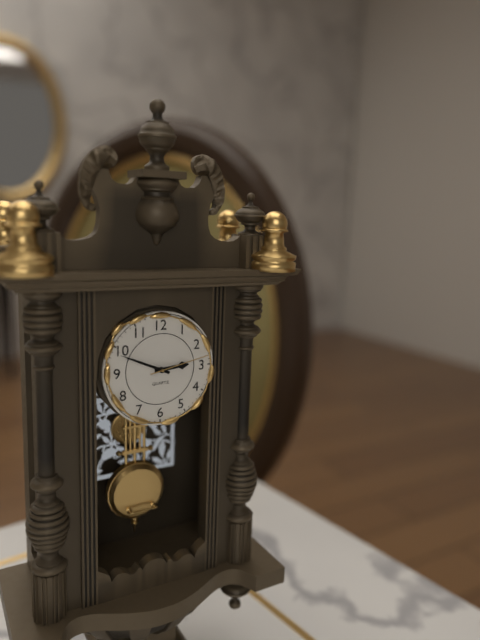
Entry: 2:49:13
